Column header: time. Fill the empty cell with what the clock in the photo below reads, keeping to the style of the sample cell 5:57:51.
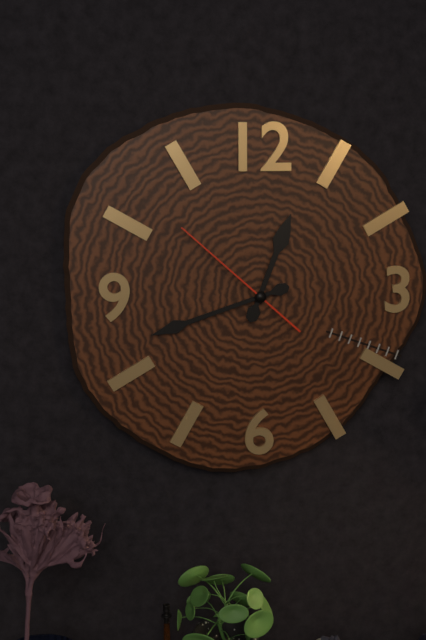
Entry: 12:42:52
